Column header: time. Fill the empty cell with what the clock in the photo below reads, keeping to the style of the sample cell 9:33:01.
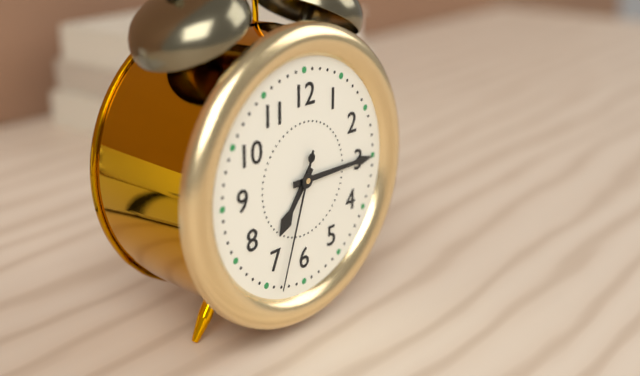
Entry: 7:15:33
